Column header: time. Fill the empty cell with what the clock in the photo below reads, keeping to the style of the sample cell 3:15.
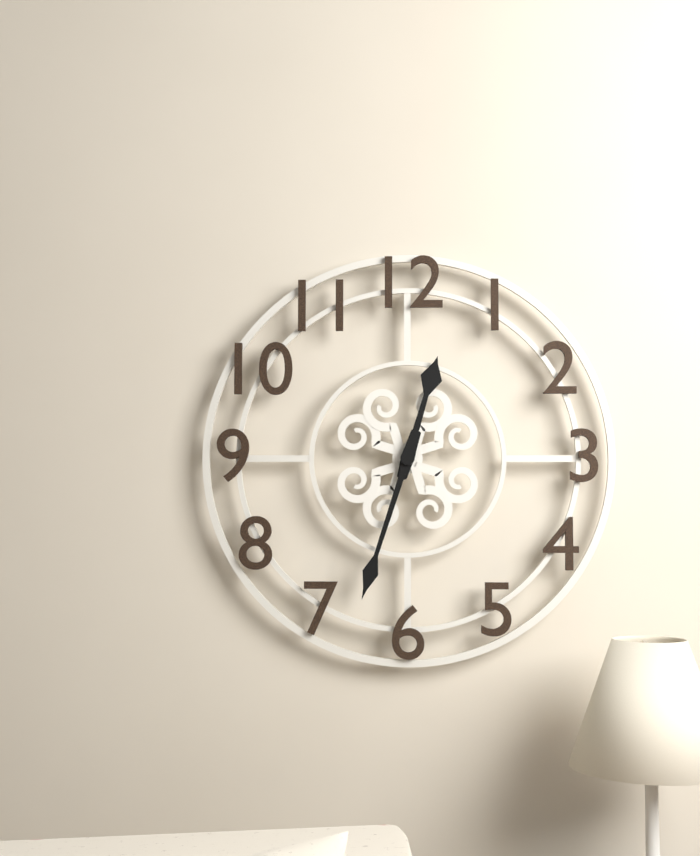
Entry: 12:33
